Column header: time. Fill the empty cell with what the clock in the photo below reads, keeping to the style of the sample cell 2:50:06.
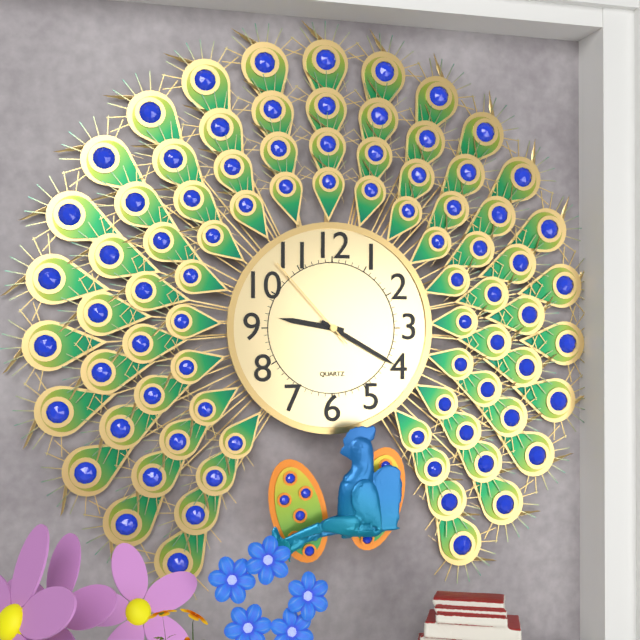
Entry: 9:20:53
